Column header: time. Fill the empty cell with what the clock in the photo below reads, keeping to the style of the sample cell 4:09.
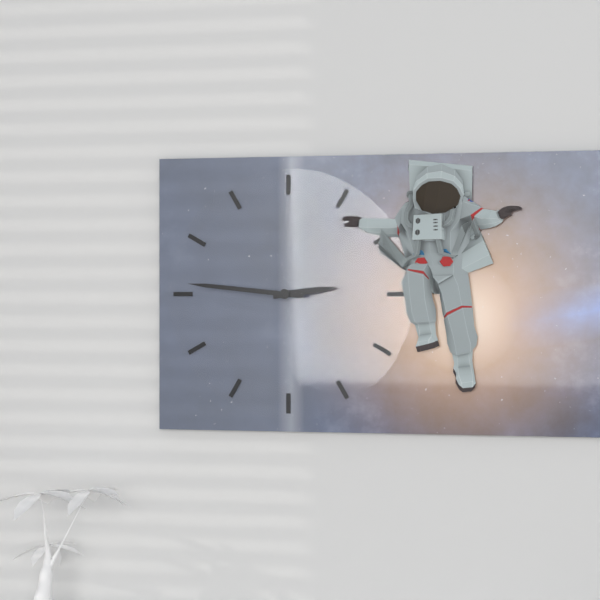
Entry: 2:46
